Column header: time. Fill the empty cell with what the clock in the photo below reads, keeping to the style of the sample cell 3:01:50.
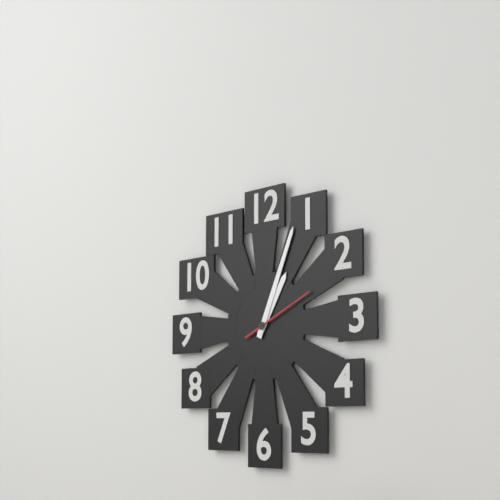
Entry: 1:04:11
